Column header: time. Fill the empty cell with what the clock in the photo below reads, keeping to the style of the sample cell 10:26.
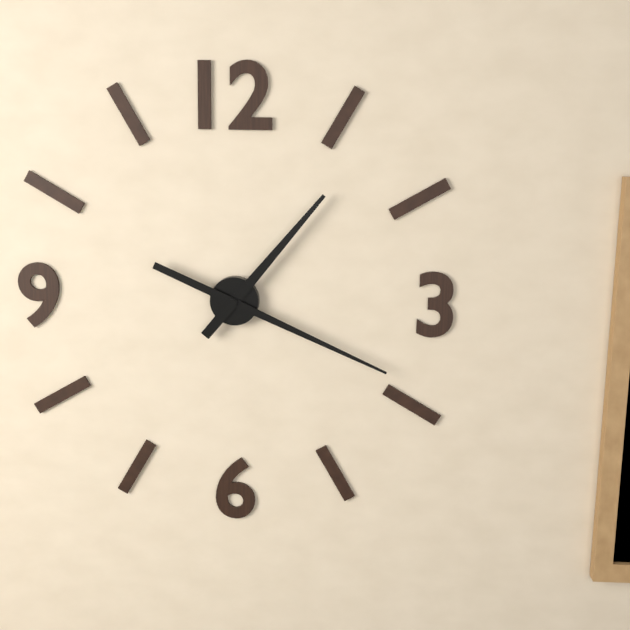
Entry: 1:19
